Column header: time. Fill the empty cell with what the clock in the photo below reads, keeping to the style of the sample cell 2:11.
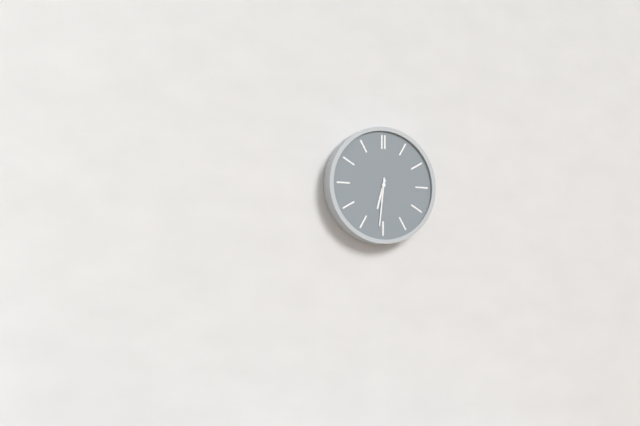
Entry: 6:31
